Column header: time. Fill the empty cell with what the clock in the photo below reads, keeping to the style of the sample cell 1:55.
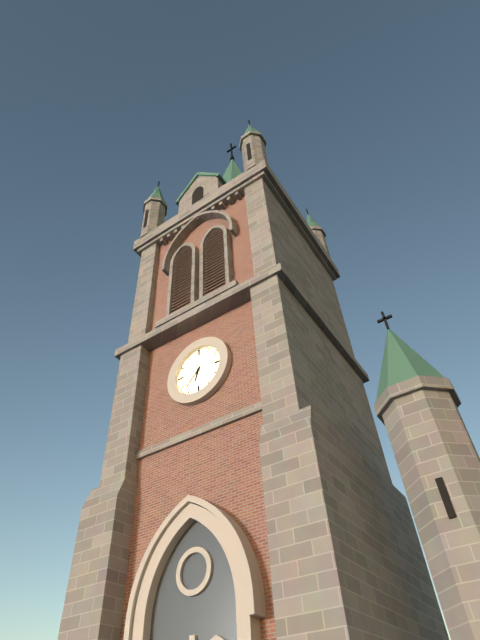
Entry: 6:37
